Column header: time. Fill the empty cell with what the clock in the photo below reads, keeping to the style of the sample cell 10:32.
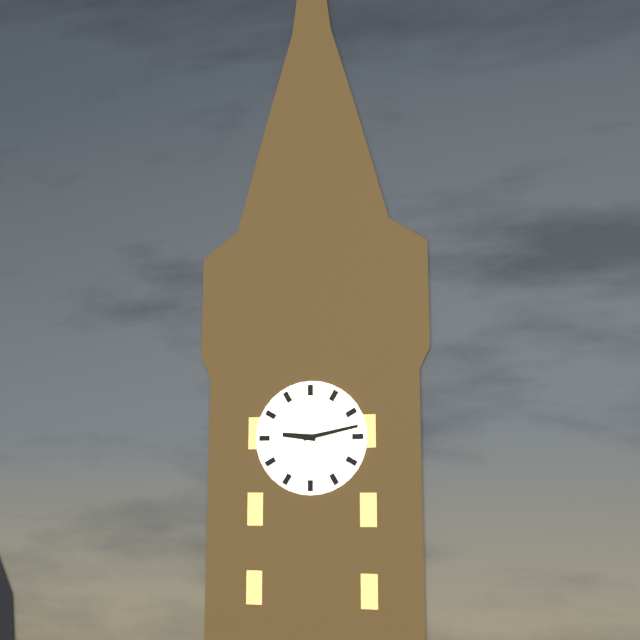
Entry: 9:13
